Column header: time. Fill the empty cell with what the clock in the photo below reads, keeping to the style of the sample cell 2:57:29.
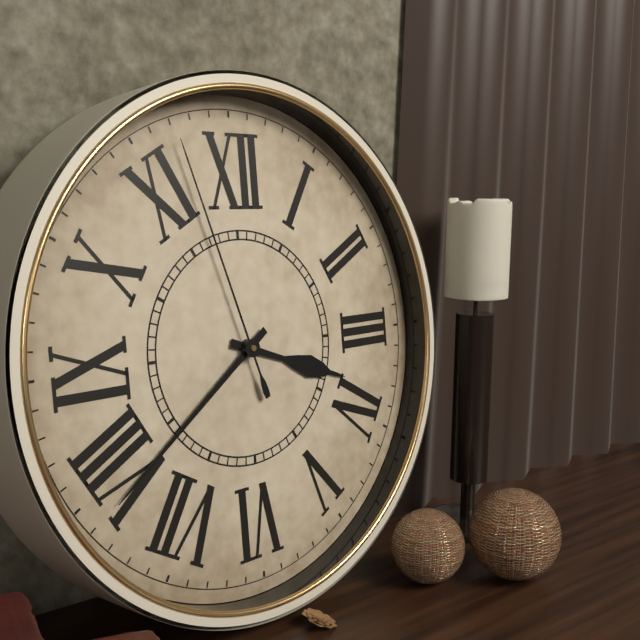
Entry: 3:39:57
